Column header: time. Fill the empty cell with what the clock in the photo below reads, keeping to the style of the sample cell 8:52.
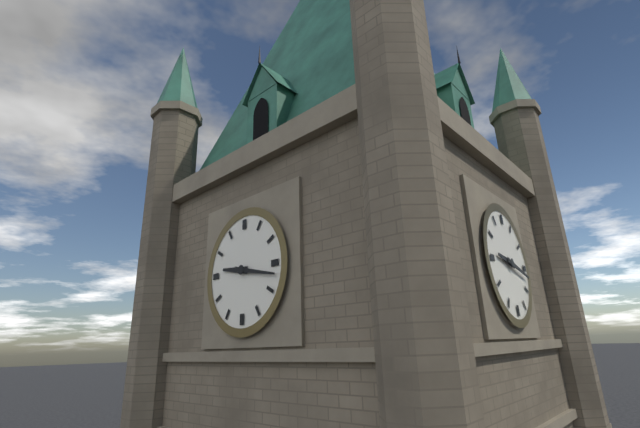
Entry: 9:17
